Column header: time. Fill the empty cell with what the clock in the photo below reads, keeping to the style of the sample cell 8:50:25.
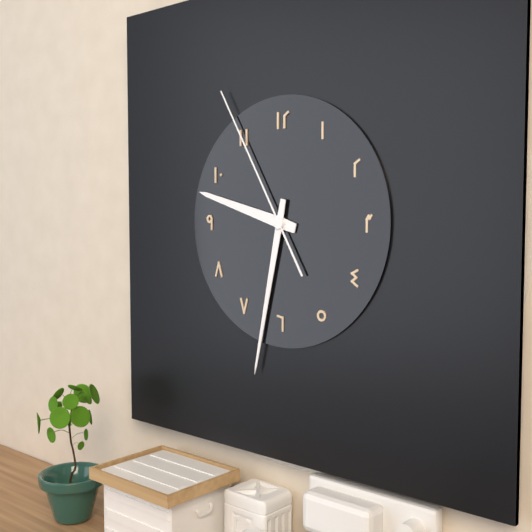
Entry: 9:32:55
